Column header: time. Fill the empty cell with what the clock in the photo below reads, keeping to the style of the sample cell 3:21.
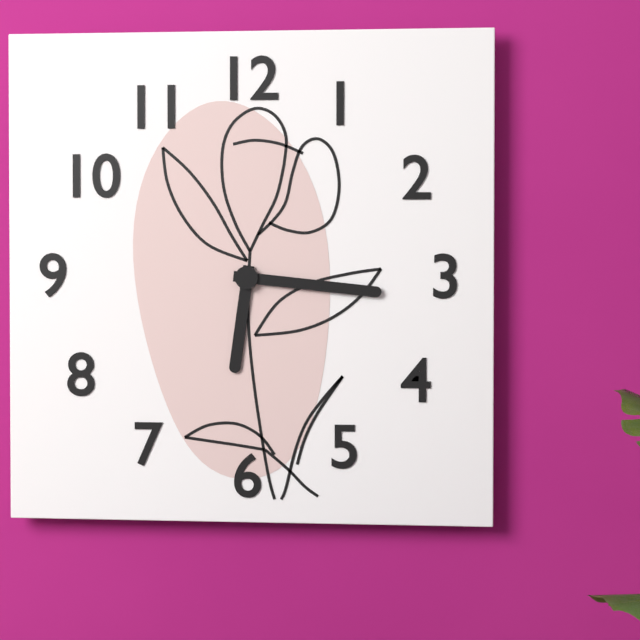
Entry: 6:16
